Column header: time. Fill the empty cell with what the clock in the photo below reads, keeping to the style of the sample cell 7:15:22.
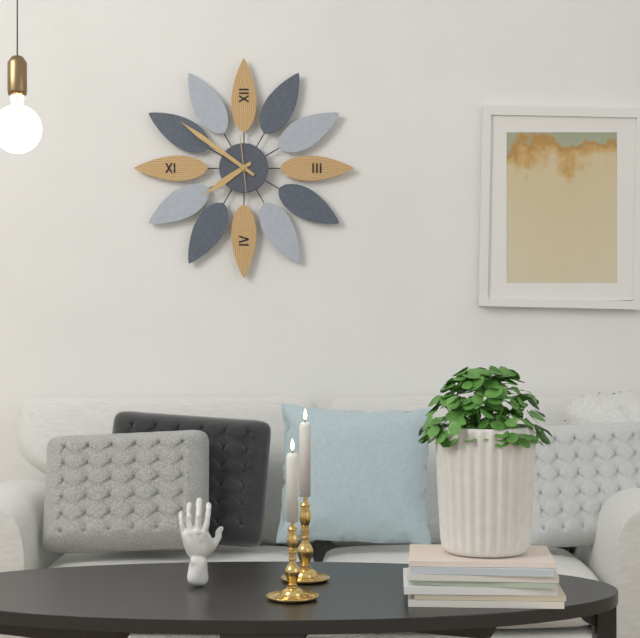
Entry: 7:51:29
